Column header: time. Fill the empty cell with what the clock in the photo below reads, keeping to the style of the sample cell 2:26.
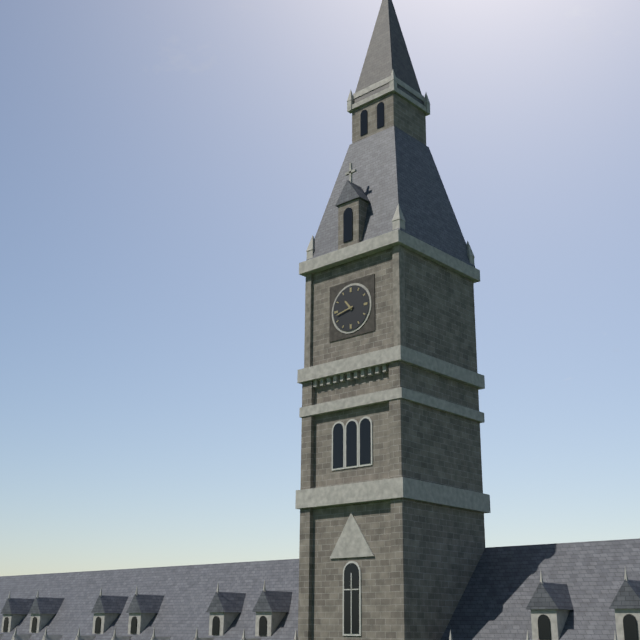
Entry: 10:43
